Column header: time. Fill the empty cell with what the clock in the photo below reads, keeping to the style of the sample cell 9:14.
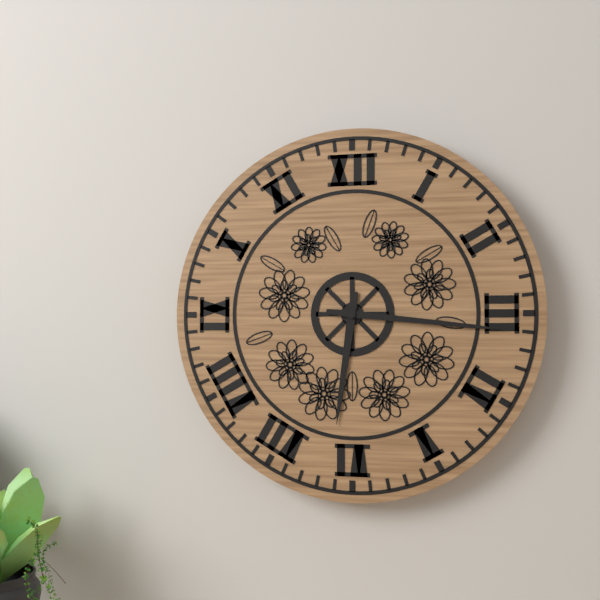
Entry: 6:16
